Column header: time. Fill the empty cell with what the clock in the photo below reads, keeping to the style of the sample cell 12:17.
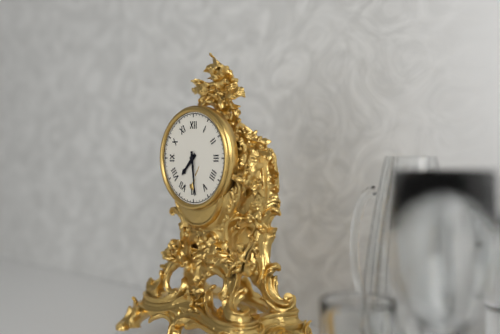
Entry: 7:29
